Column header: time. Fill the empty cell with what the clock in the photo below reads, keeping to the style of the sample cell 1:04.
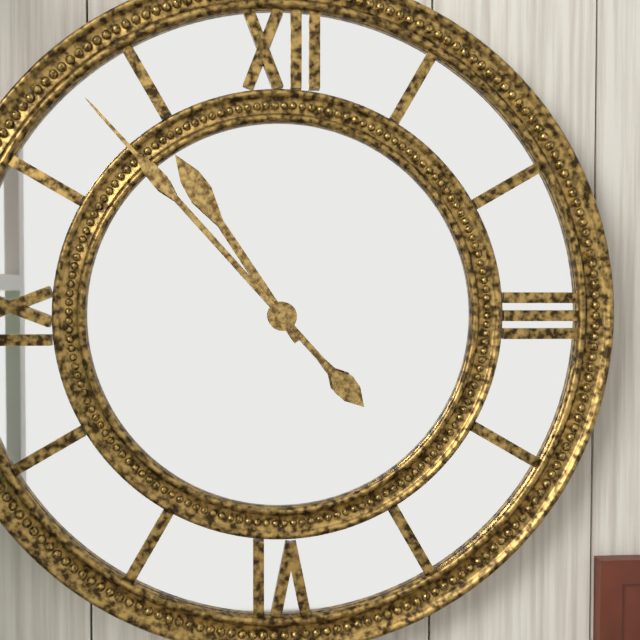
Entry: 10:53
